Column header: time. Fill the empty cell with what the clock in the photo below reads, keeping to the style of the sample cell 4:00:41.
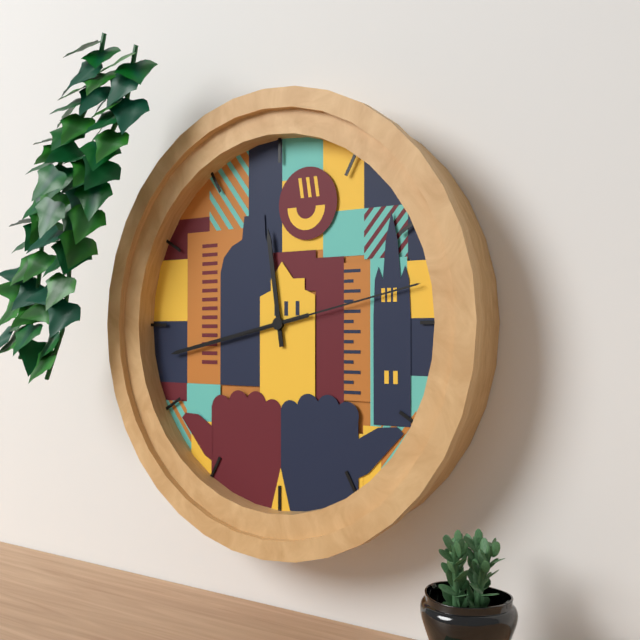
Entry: 11:43:13
